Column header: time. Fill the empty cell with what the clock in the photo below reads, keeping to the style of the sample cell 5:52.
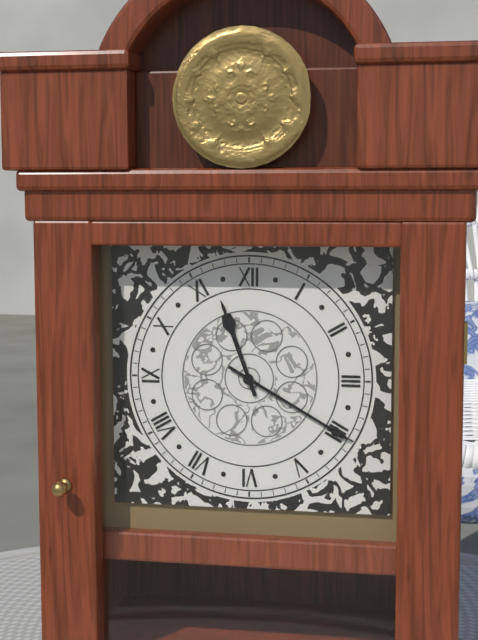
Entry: 11:20
